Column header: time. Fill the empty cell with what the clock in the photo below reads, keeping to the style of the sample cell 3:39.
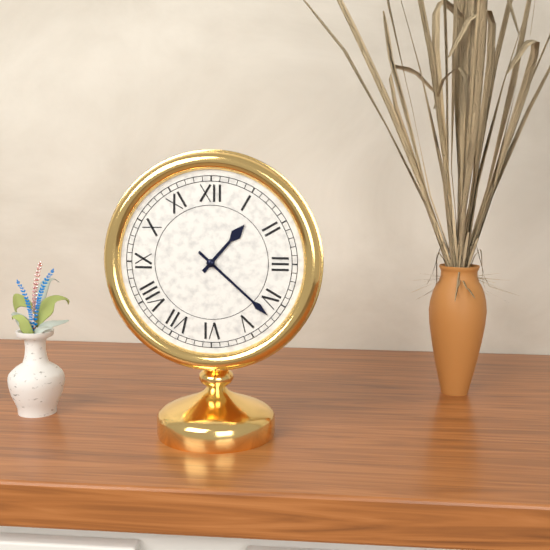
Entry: 1:22
